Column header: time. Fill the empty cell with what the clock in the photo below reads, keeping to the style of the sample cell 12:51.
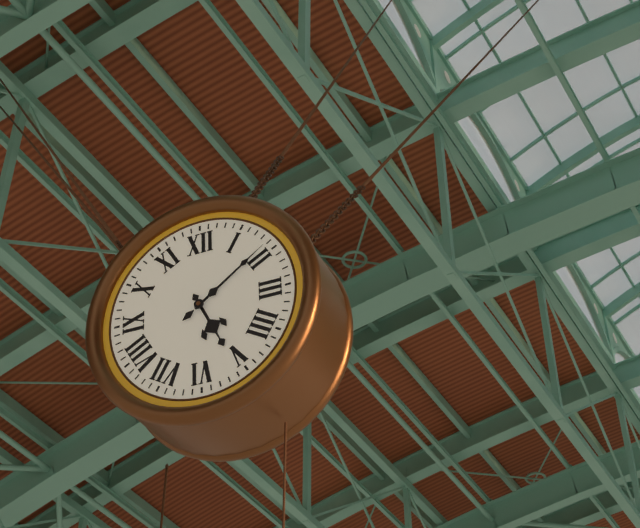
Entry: 5:09
